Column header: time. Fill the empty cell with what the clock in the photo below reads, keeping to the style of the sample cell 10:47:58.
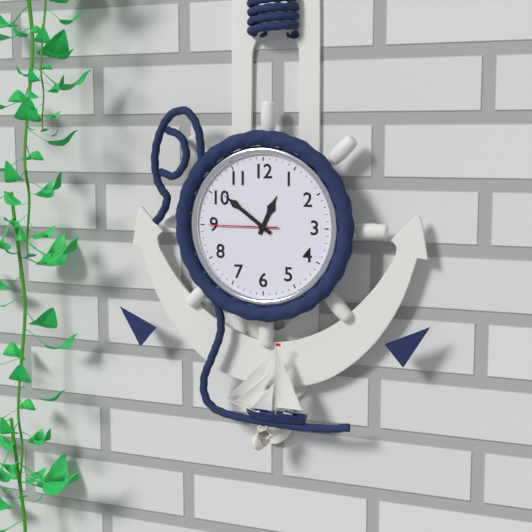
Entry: 12:51:45
